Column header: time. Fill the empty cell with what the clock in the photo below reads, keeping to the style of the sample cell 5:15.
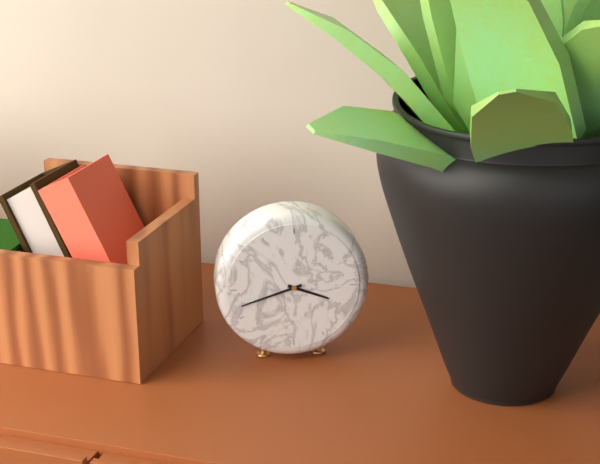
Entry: 3:42
